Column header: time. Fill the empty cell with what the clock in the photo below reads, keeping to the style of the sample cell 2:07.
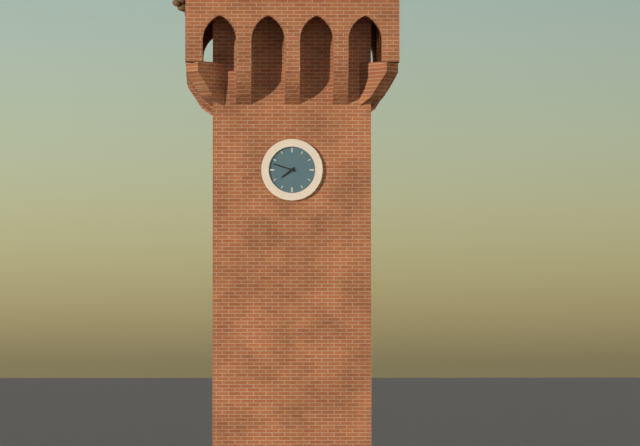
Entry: 7:48
